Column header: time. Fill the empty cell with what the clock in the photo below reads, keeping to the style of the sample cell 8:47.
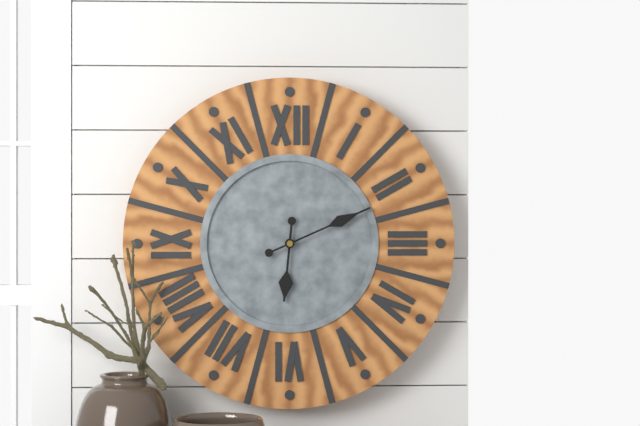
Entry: 6:11
